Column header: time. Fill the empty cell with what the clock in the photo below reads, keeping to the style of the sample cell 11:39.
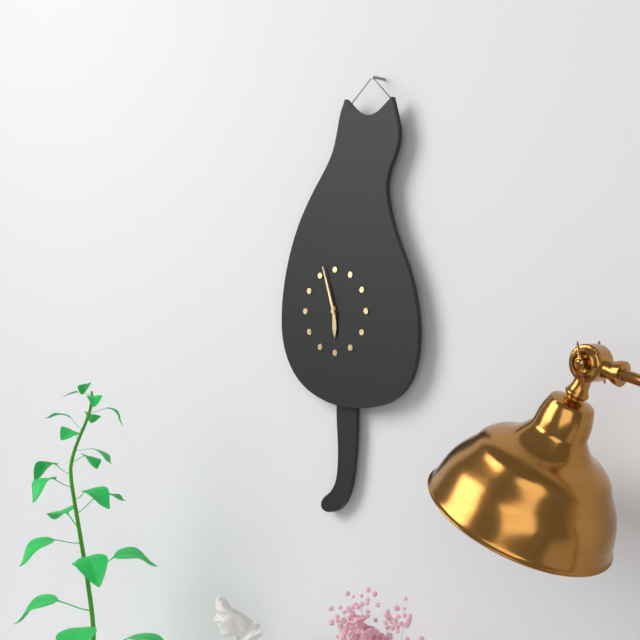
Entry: 5:57
